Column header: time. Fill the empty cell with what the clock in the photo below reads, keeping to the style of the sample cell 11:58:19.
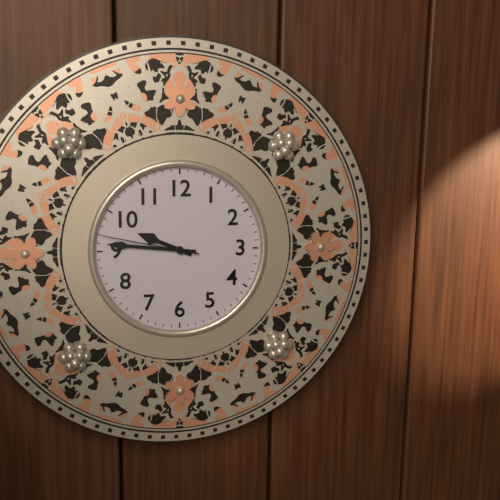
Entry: 9:46:47
